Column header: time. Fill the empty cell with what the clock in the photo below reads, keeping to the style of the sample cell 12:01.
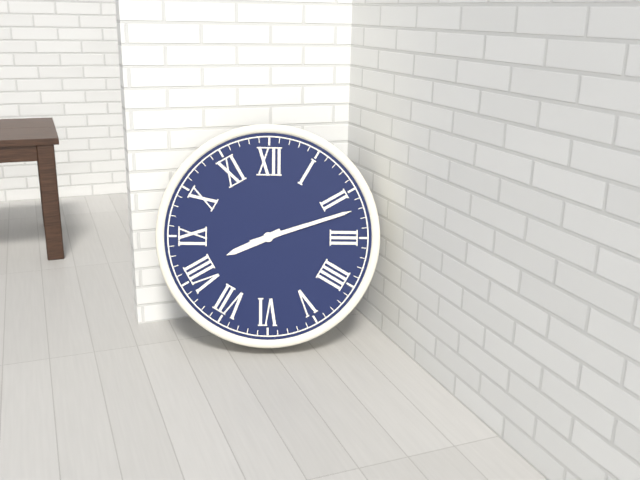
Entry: 8:12
